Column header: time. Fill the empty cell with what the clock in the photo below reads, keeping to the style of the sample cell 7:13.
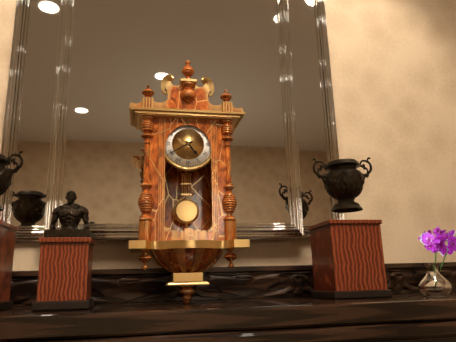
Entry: 4:40
